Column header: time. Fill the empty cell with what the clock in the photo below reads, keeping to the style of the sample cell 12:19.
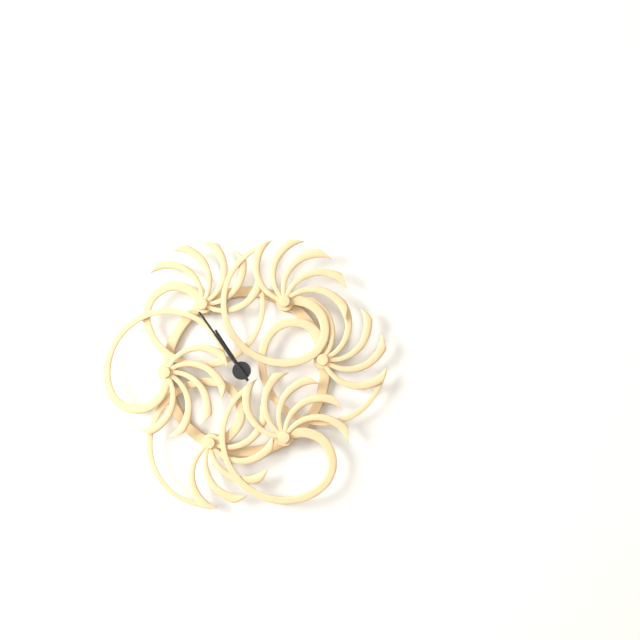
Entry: 10:54
